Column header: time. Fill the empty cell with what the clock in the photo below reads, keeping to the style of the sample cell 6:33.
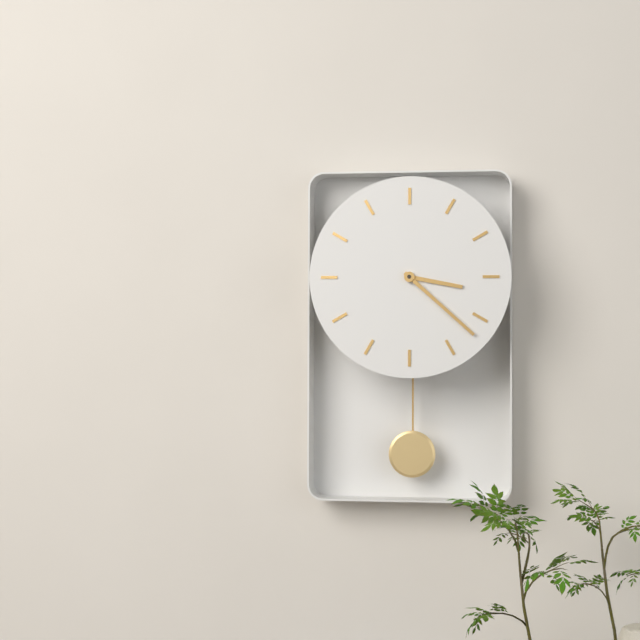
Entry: 3:22
